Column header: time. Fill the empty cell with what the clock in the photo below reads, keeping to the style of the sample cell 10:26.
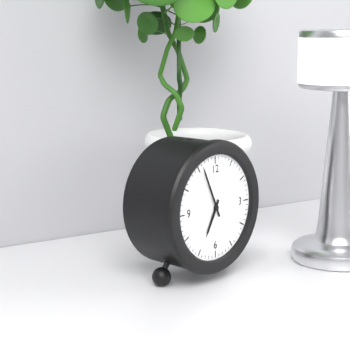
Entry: 6:56
